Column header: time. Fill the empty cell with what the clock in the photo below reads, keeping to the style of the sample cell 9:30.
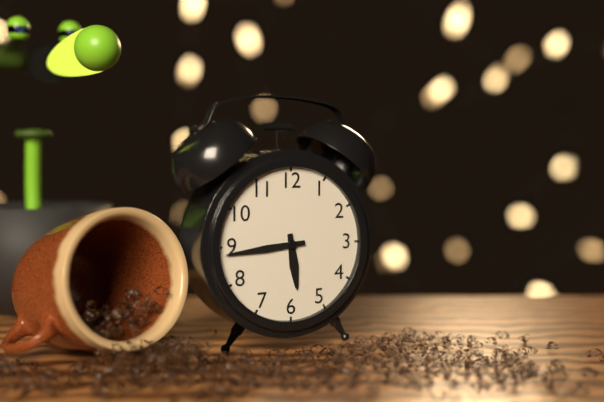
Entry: 5:44
